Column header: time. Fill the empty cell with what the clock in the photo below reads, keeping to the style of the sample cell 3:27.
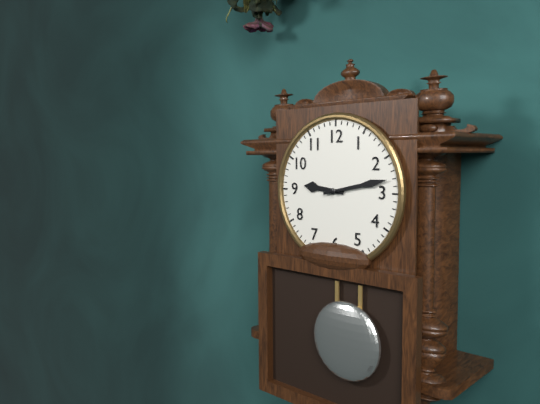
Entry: 9:13
